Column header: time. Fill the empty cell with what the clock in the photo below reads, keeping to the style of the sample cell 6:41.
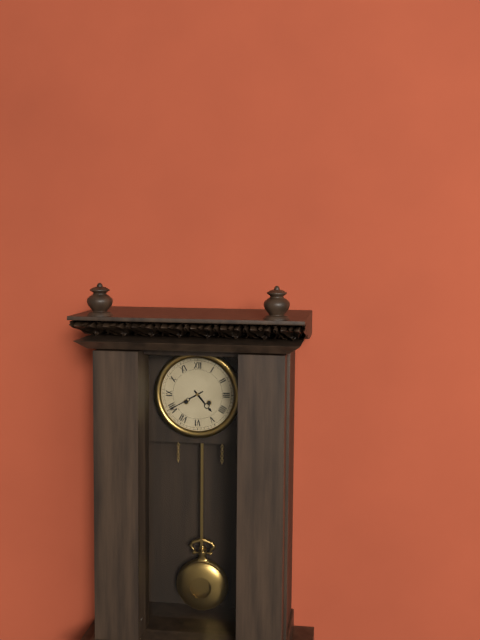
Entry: 4:40
